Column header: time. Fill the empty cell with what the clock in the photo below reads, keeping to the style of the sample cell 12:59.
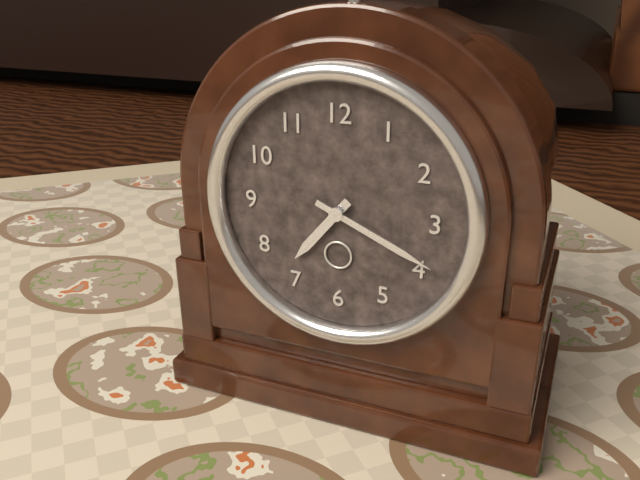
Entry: 7:19
